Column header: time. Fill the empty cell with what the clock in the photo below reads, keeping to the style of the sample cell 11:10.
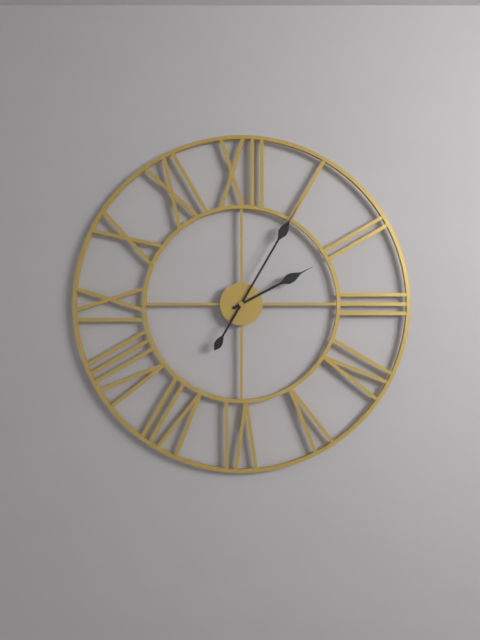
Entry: 2:05
